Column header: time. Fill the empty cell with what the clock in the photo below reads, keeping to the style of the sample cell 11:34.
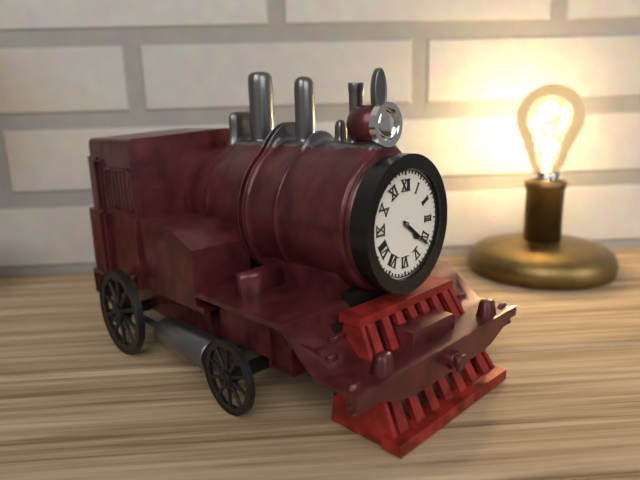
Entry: 4:21
